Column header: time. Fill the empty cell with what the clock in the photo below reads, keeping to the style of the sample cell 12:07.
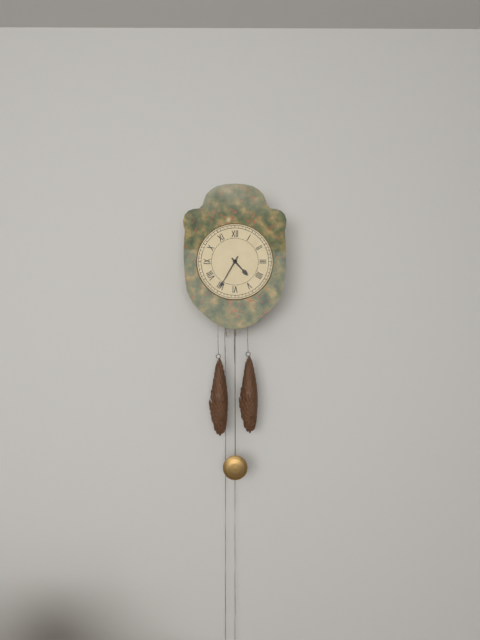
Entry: 4:35
